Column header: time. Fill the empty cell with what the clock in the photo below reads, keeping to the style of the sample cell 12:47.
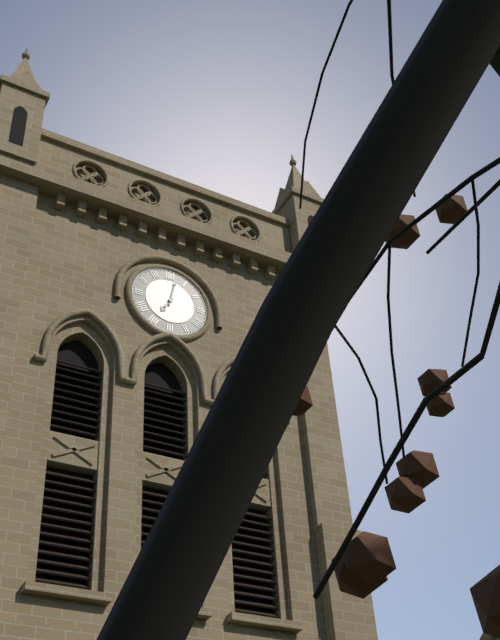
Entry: 7:02
